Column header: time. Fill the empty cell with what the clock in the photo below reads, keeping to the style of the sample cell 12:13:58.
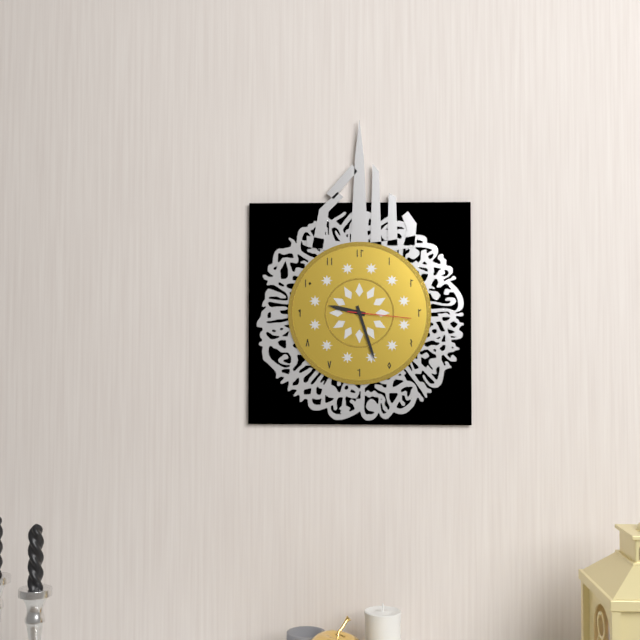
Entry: 9:27:16
